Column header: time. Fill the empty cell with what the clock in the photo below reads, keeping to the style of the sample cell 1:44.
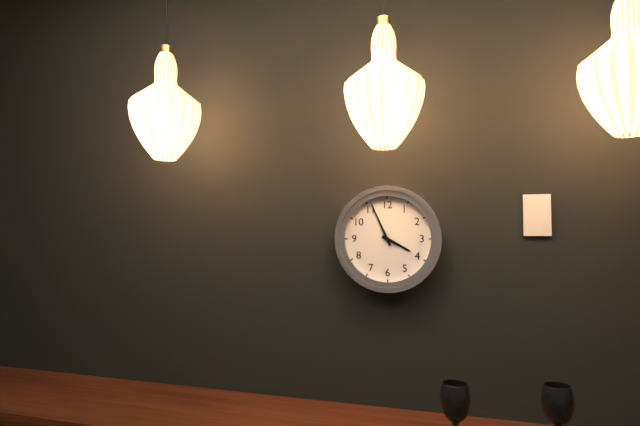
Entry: 3:56
